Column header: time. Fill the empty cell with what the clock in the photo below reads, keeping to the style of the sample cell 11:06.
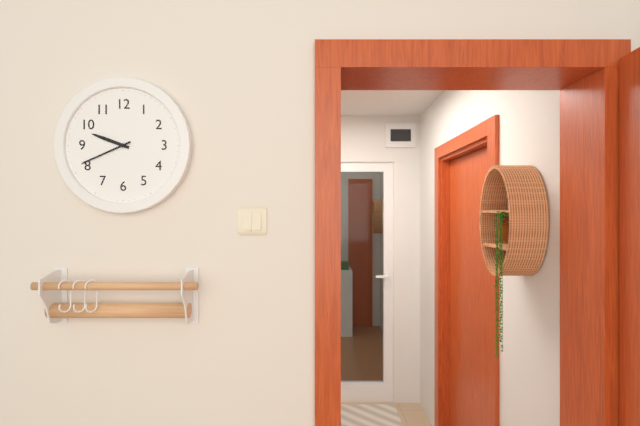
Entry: 9:41
